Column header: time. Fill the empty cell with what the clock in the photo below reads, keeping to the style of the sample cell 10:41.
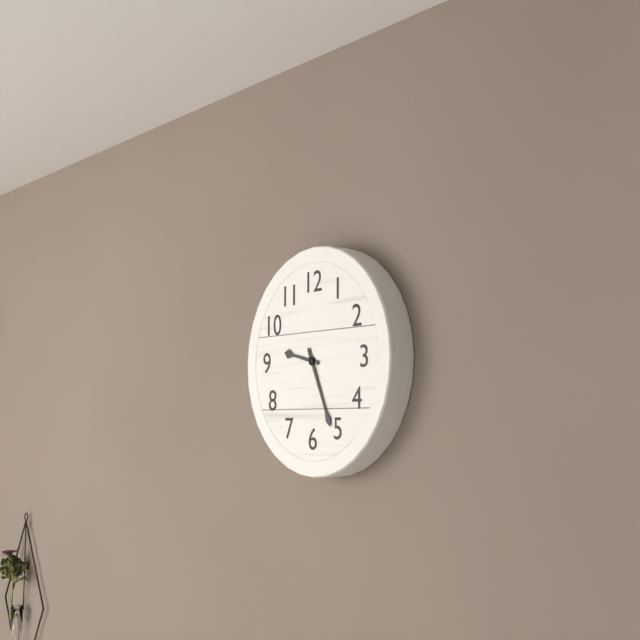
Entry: 9:26
